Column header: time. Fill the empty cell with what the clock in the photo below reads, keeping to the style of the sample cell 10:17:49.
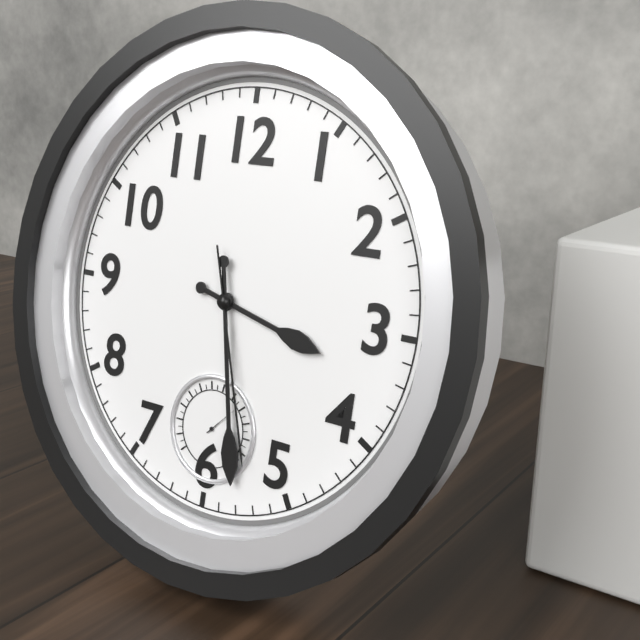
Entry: 3:28:27
